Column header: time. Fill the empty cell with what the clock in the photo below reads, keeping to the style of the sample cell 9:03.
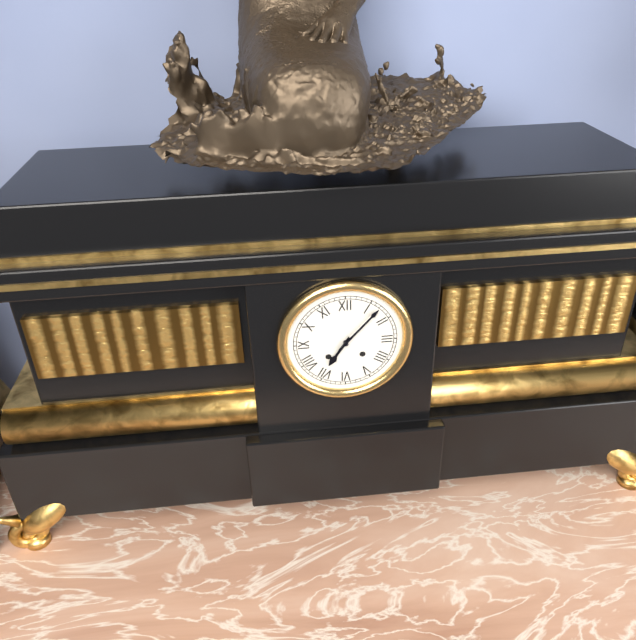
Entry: 7:07
